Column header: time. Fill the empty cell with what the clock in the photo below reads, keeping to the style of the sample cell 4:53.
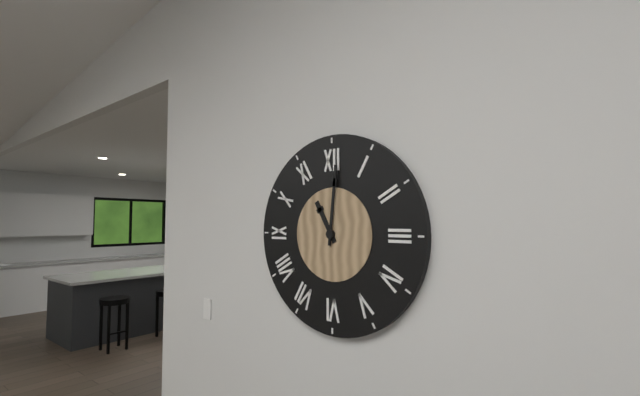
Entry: 11:01
